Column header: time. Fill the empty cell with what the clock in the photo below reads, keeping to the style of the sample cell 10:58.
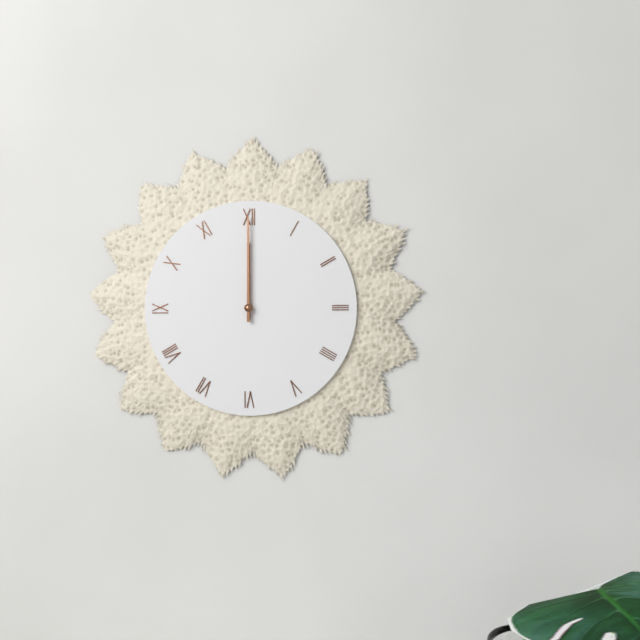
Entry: 12:00
